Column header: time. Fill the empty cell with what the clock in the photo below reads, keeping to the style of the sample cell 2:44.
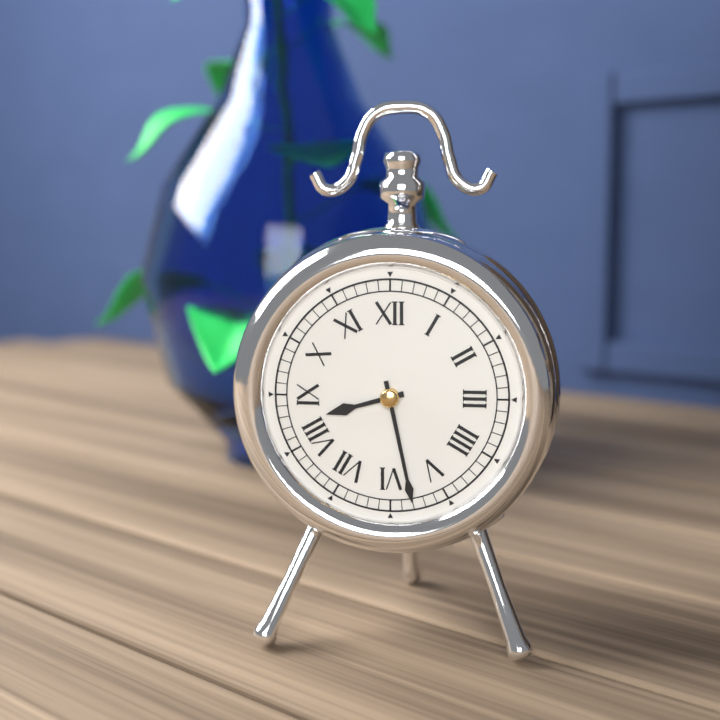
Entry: 8:28
